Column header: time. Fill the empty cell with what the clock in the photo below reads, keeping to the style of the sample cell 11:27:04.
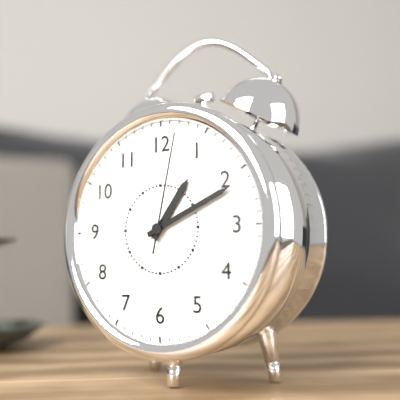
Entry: 1:11:02
